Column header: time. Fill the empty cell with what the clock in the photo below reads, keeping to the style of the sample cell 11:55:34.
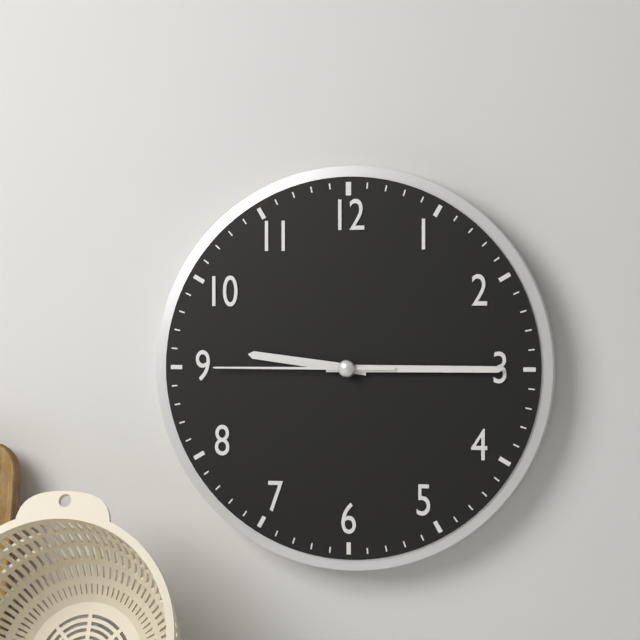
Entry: 9:15:45
